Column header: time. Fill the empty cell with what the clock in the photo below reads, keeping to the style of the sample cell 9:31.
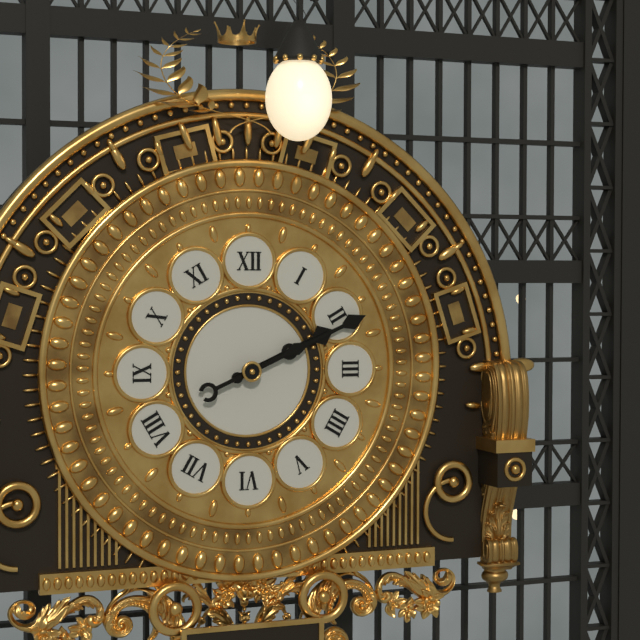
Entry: 2:11
